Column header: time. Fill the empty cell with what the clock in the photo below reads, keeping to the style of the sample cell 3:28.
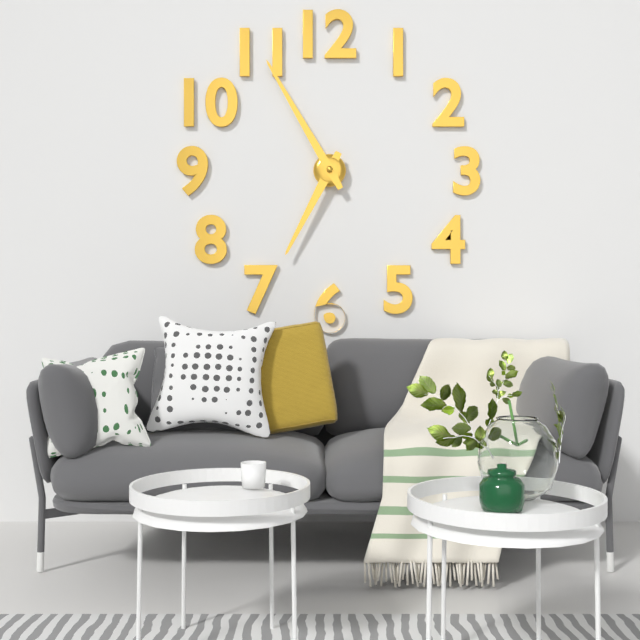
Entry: 6:55
